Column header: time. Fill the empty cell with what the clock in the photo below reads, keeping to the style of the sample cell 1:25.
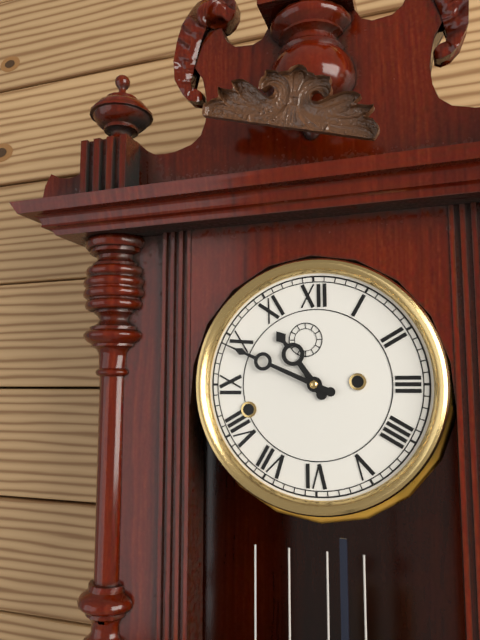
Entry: 10:49
